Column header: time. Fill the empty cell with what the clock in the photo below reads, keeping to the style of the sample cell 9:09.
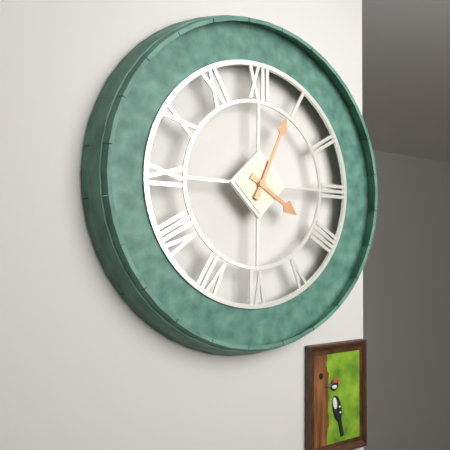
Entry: 4:04
